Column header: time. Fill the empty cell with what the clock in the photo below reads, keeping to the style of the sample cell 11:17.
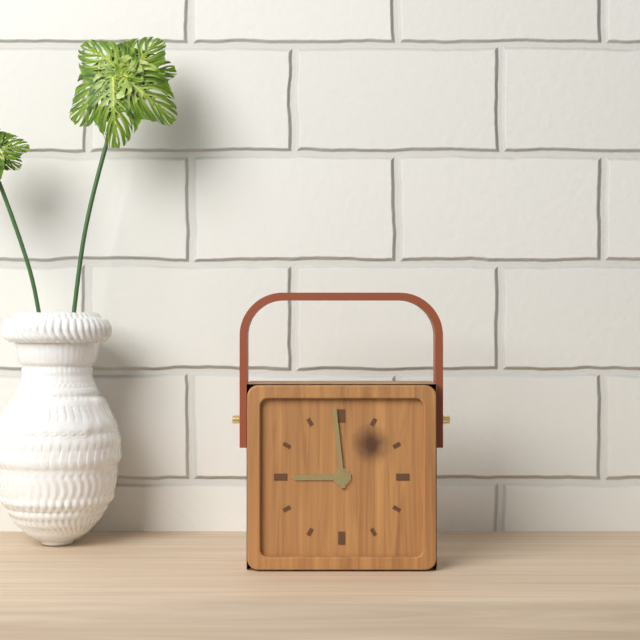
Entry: 8:59
